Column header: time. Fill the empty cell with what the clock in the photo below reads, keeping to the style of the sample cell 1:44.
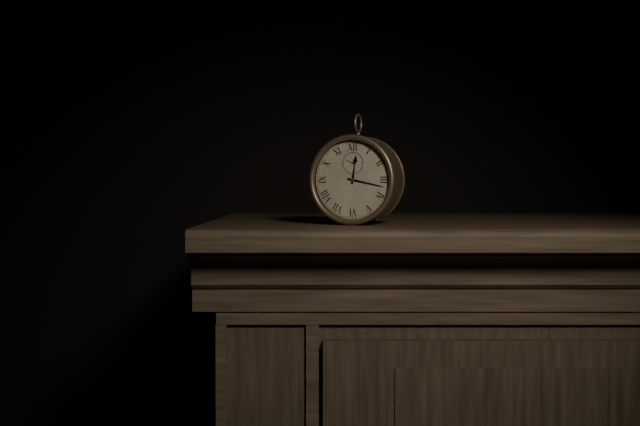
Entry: 12:17
